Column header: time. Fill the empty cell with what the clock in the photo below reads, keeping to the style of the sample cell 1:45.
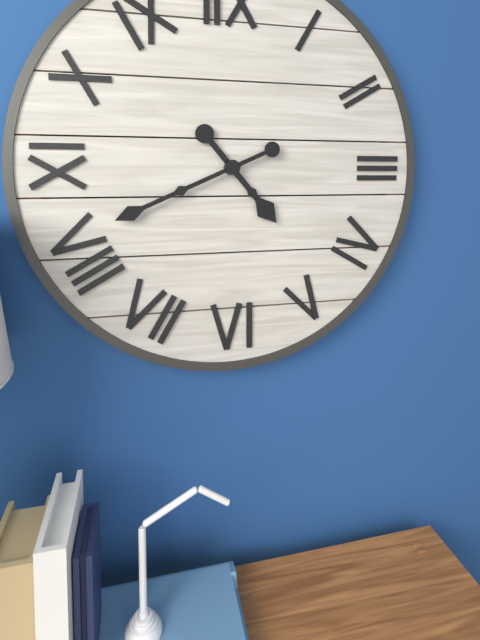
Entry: 4:41
